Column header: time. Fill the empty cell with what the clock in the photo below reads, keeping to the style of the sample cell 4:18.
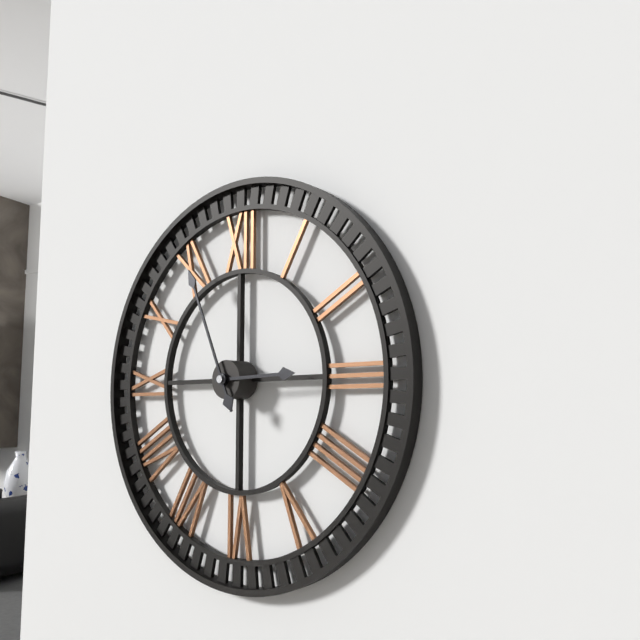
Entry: 2:56
